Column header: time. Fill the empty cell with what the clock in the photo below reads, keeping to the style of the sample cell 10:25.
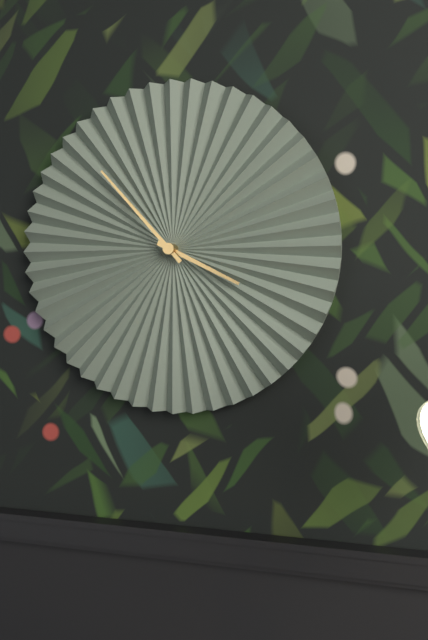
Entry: 3:53
